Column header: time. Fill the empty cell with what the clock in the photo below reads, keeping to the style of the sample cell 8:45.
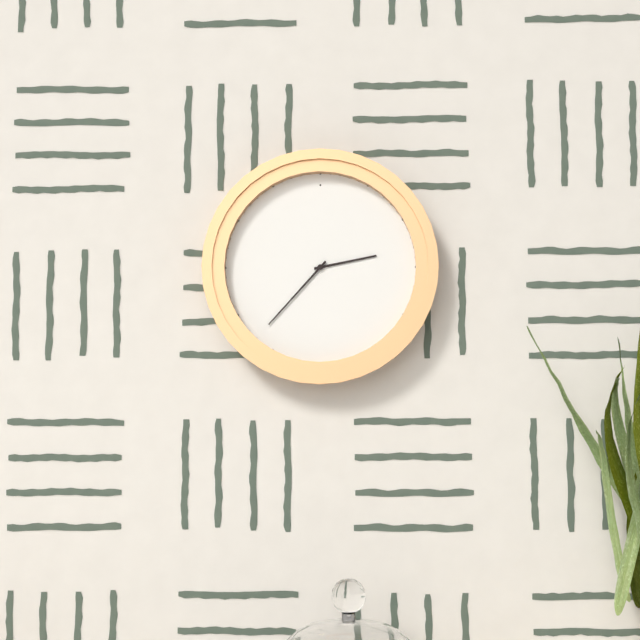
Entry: 2:37
